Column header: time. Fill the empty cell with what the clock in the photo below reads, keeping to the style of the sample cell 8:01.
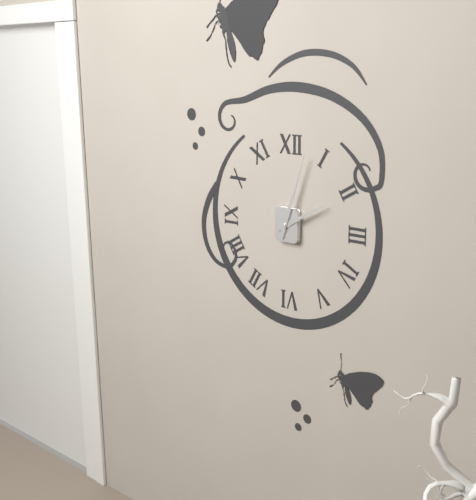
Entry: 2:03
